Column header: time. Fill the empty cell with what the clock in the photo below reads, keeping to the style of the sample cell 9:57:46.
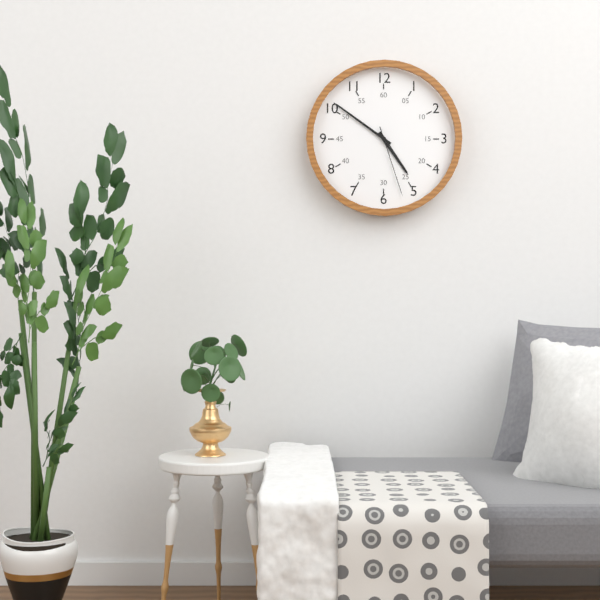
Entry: 4:51:27
